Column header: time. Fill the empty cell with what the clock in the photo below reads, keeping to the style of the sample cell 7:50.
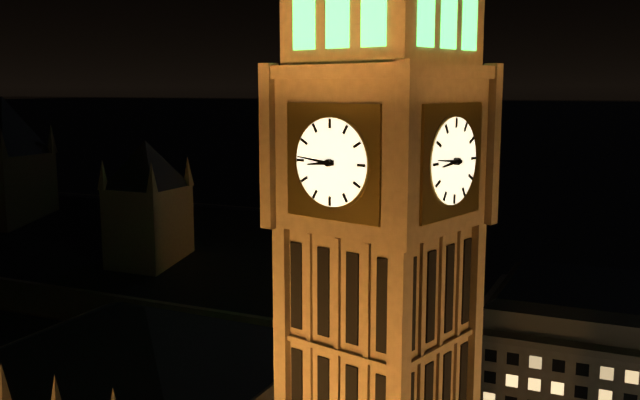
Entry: 8:46
